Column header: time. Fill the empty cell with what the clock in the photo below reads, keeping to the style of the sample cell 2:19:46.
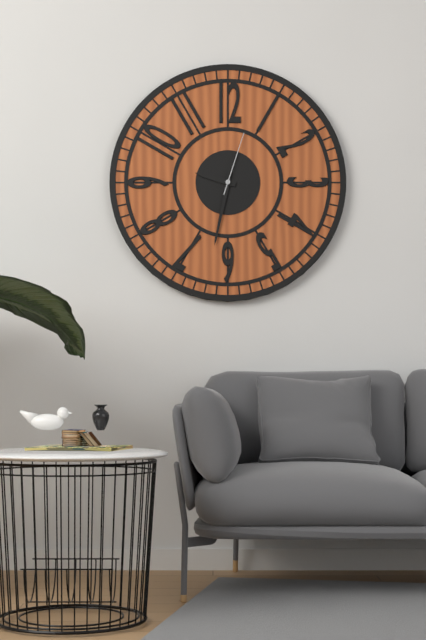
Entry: 9:32:03
